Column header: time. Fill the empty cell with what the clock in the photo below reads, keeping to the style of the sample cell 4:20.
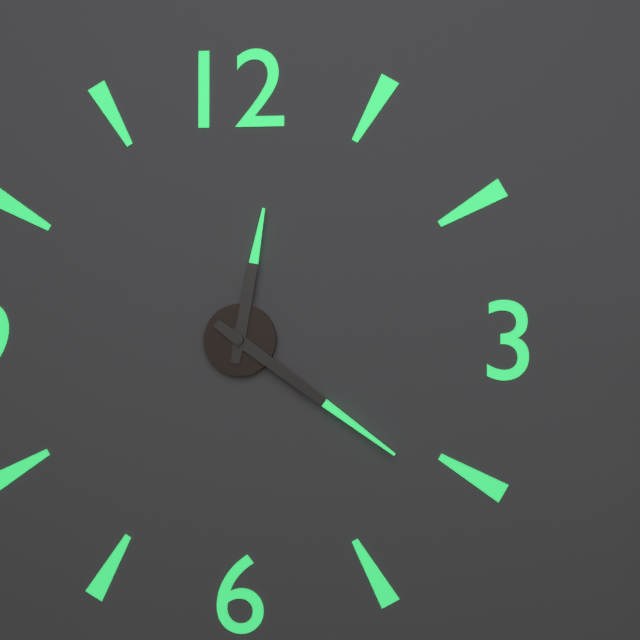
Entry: 12:21
